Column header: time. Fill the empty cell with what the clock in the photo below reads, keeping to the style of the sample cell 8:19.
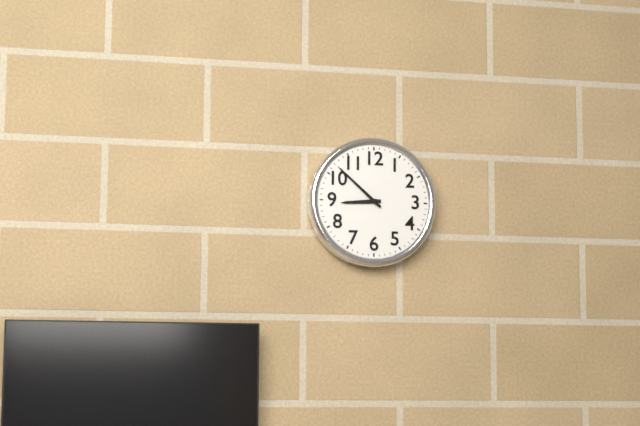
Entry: 8:52
